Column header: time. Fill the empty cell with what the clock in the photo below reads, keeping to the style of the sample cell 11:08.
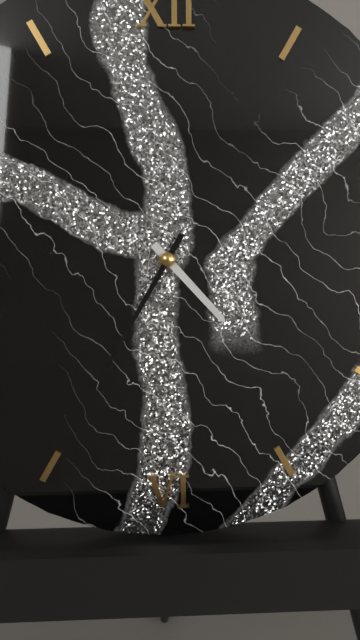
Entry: 4:35
